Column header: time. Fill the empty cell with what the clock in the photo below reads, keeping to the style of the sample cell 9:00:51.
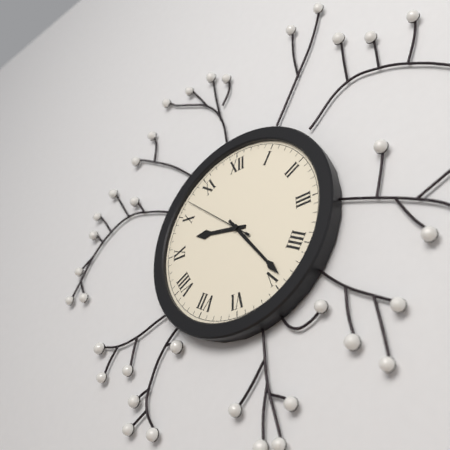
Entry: 9:24:52
